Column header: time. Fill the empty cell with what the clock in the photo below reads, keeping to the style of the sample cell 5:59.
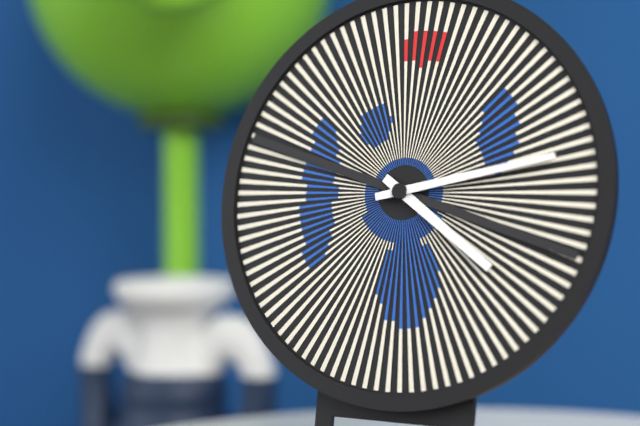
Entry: 4:13
